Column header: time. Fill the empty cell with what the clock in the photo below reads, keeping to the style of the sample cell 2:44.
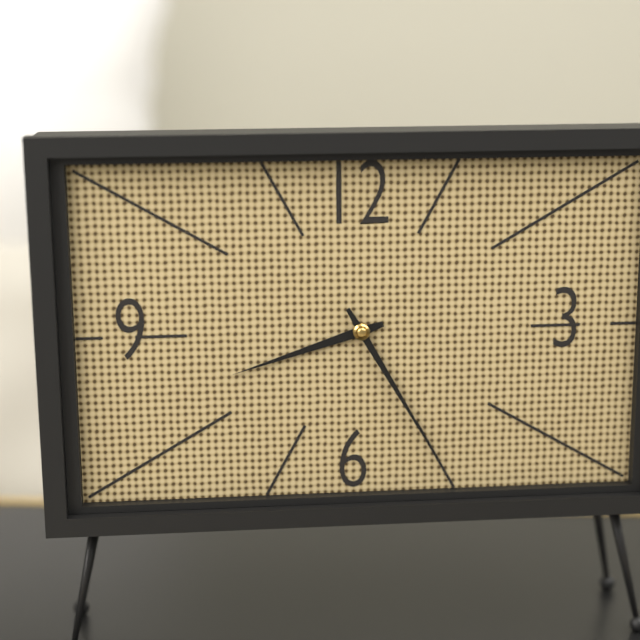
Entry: 8:25
